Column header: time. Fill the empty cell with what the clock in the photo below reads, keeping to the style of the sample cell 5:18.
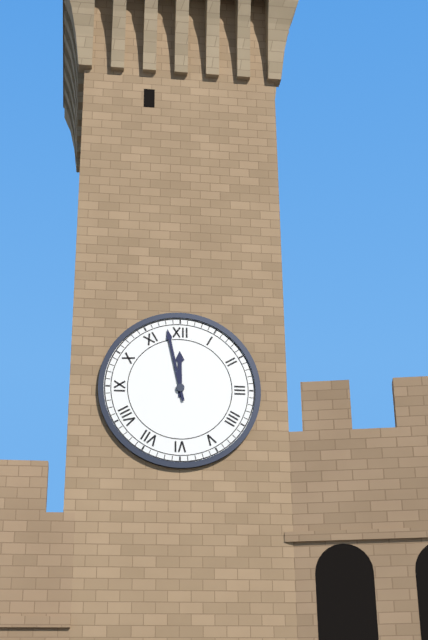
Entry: 11:58
